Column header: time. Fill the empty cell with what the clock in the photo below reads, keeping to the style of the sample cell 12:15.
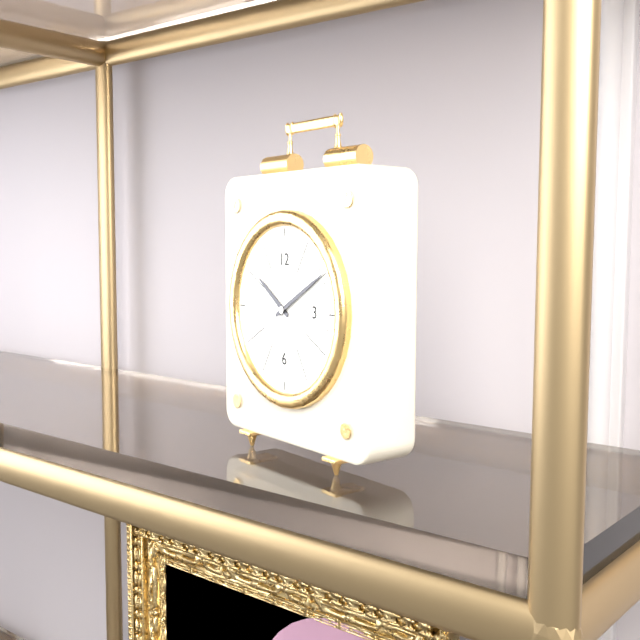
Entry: 10:10
